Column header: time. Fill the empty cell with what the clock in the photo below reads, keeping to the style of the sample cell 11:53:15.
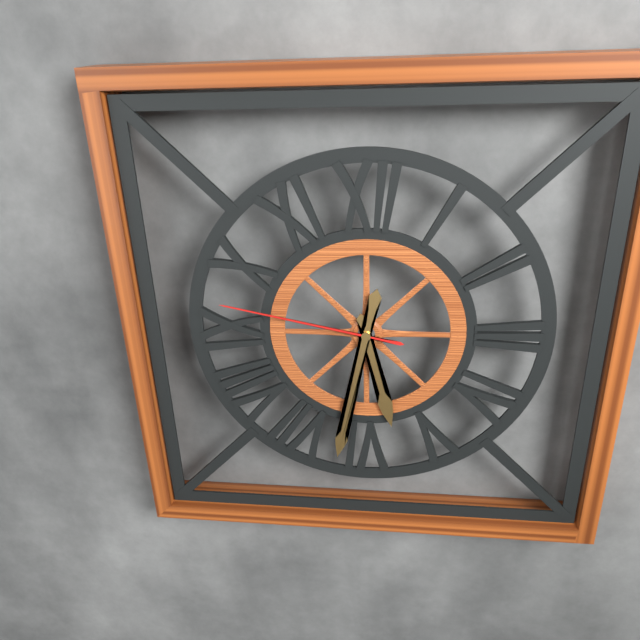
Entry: 5:32:47
